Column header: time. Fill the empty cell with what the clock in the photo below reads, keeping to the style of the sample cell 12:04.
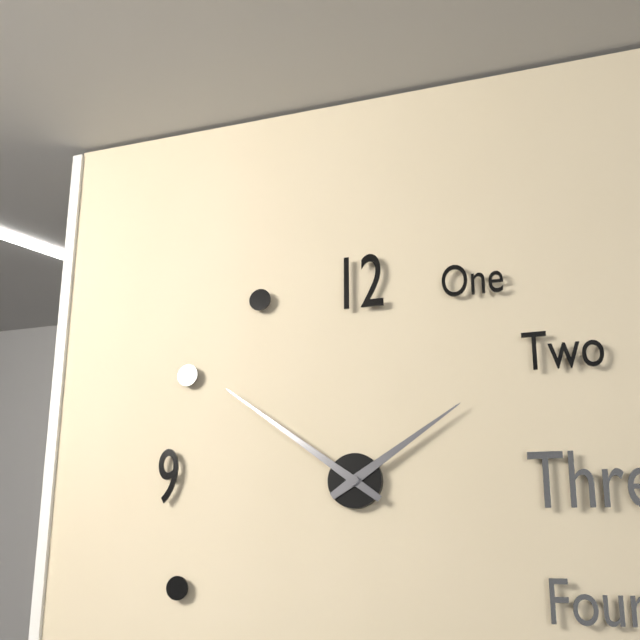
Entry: 1:51
